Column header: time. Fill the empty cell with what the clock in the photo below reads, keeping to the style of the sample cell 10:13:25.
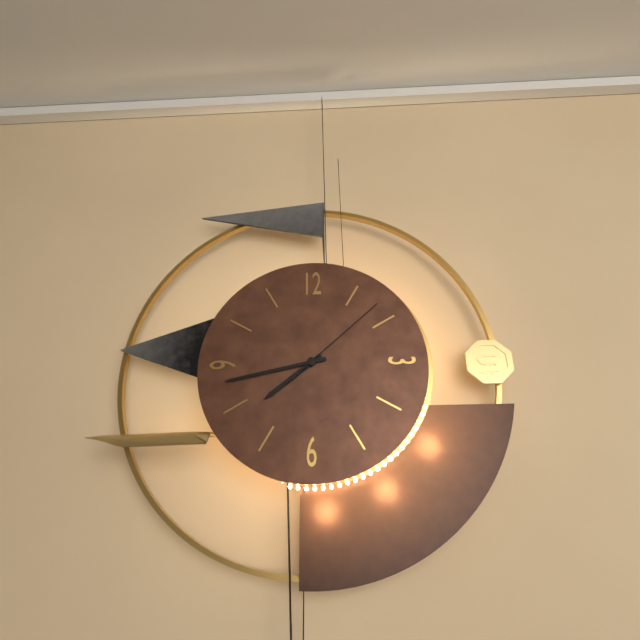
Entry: 7:43:08
